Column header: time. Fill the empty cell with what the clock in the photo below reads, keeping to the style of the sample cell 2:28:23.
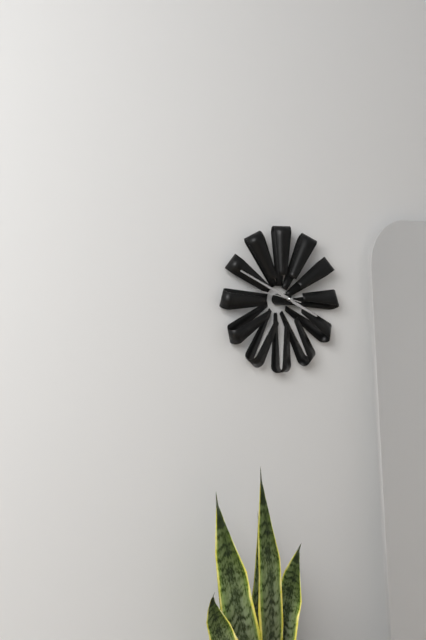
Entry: 3:49:47
